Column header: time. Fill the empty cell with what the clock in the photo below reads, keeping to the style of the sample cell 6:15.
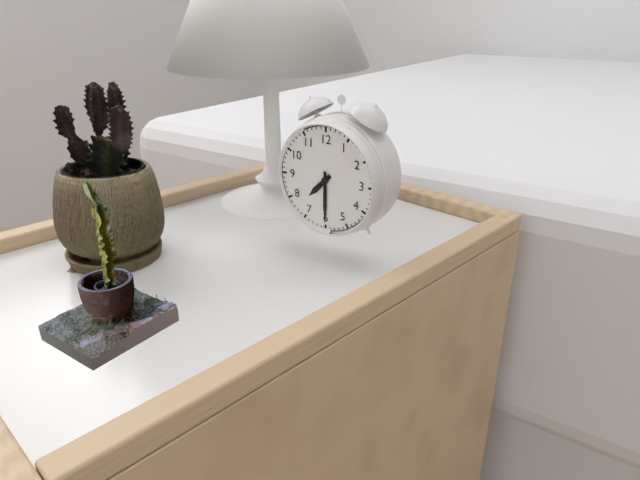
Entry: 7:30
